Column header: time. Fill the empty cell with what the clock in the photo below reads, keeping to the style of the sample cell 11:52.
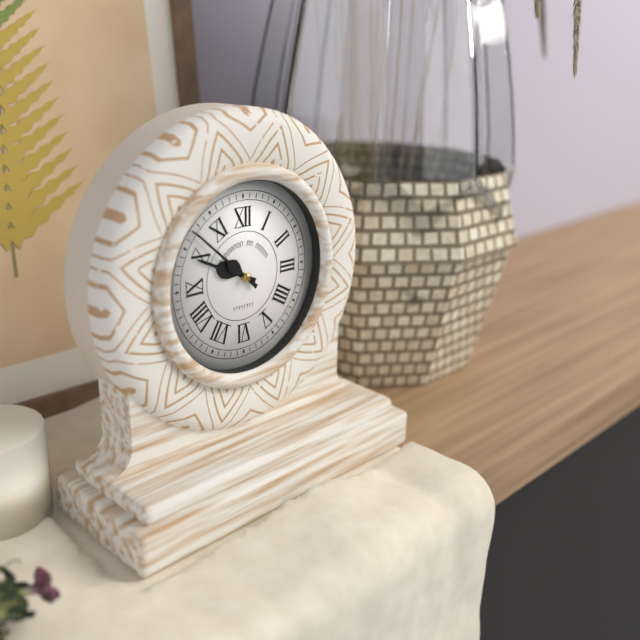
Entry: 9:52
